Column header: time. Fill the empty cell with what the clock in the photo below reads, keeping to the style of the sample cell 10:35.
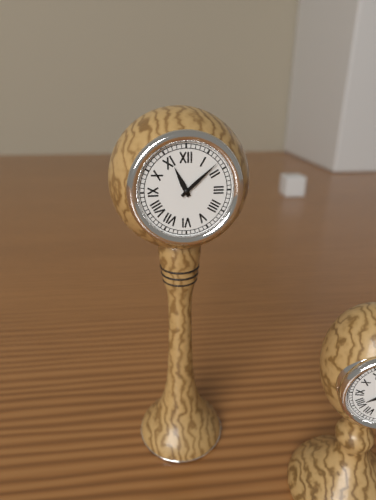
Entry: 11:08
